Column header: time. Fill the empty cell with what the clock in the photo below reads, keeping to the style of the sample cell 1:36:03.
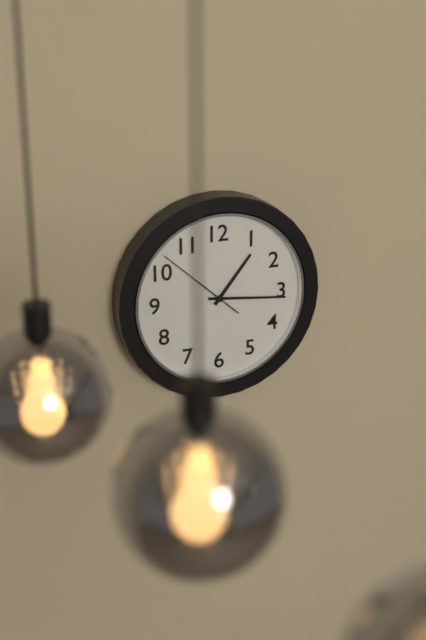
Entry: 1:16:52
